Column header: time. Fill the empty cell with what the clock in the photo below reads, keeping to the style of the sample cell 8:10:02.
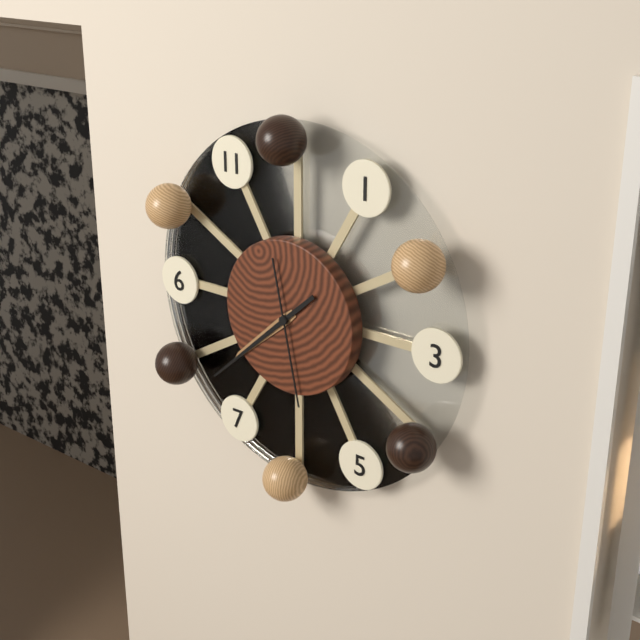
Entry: 7:38:28
